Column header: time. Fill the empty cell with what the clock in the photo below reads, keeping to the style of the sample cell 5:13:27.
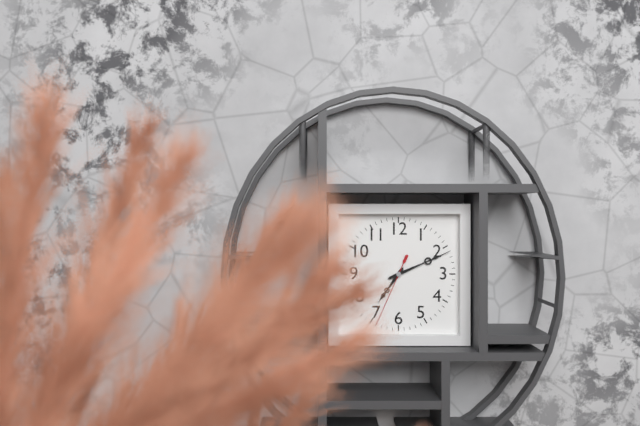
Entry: 7:11:34
